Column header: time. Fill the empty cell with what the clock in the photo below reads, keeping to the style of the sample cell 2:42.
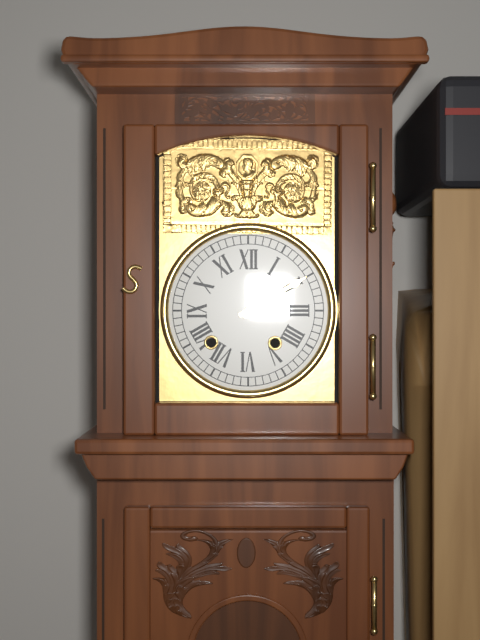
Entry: 1:10
